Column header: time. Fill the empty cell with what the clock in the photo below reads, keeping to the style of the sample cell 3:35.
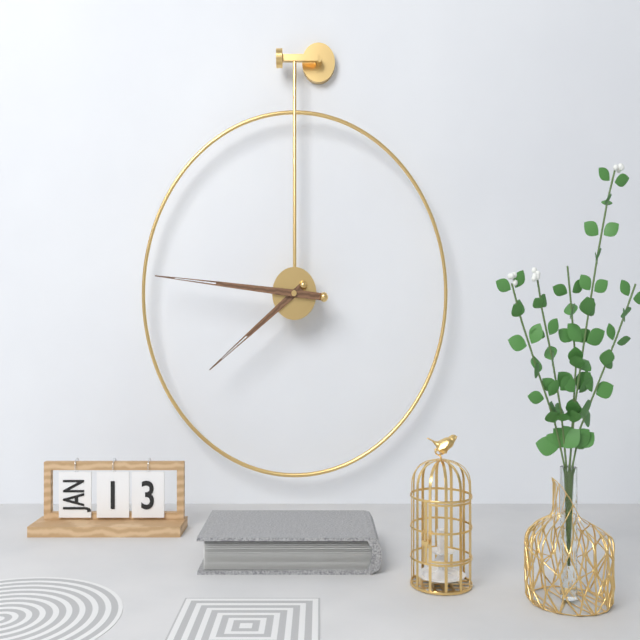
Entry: 7:46
